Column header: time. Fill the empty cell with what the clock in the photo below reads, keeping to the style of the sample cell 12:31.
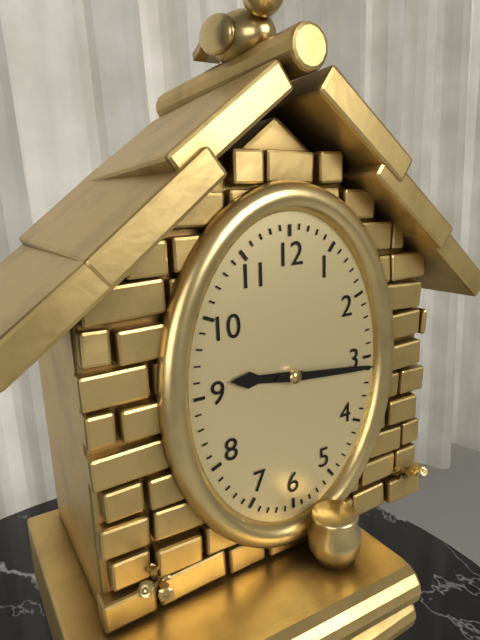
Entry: 9:16
